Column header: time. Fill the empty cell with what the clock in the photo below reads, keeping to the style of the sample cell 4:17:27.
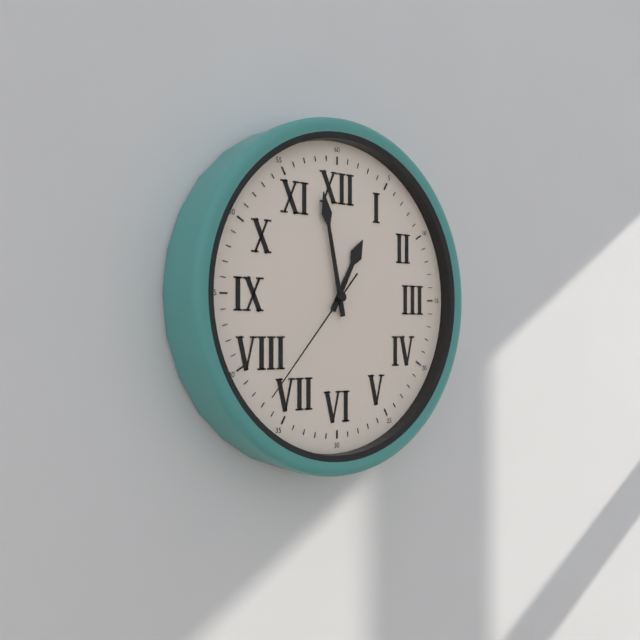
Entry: 12:58:37
